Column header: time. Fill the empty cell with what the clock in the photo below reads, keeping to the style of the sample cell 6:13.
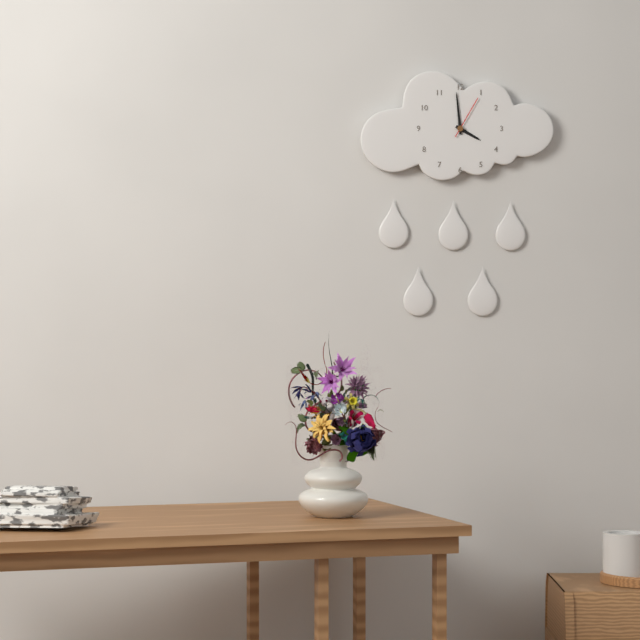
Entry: 3:59
